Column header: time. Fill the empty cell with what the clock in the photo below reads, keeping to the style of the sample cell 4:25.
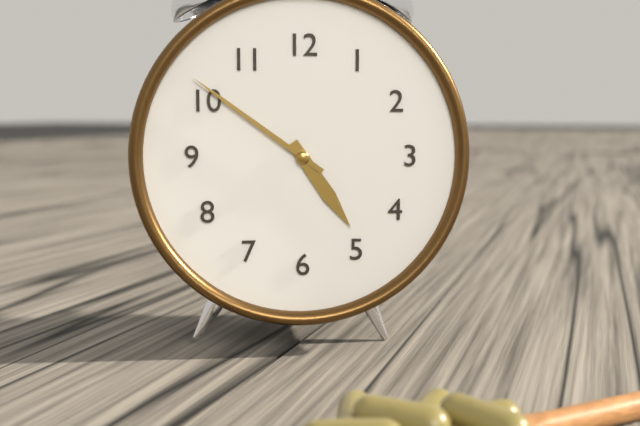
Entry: 4:51
